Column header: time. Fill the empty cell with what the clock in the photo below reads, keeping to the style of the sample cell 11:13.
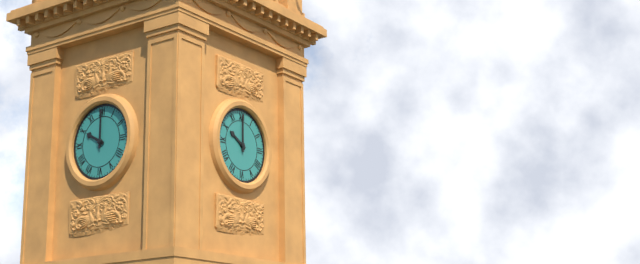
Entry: 10:00
